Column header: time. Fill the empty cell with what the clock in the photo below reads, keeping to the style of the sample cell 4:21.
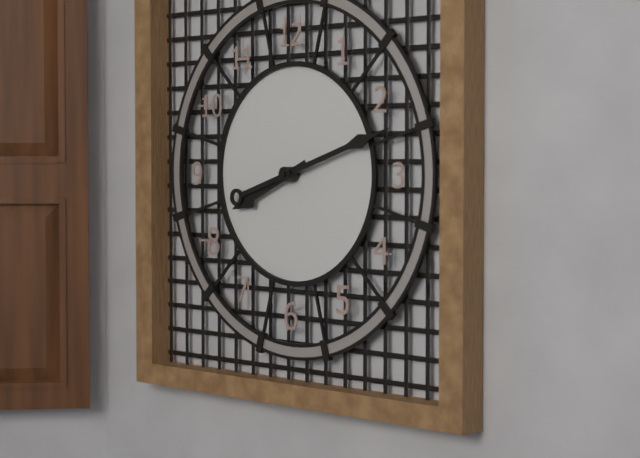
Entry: 8:12
